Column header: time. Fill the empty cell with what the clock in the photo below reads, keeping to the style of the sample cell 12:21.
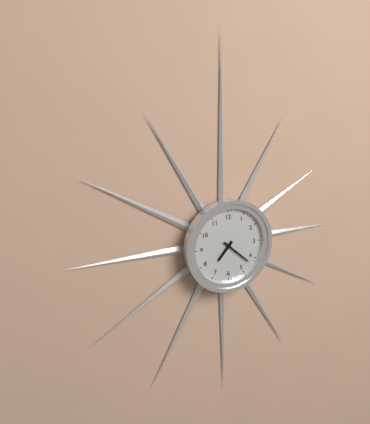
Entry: 7:22
